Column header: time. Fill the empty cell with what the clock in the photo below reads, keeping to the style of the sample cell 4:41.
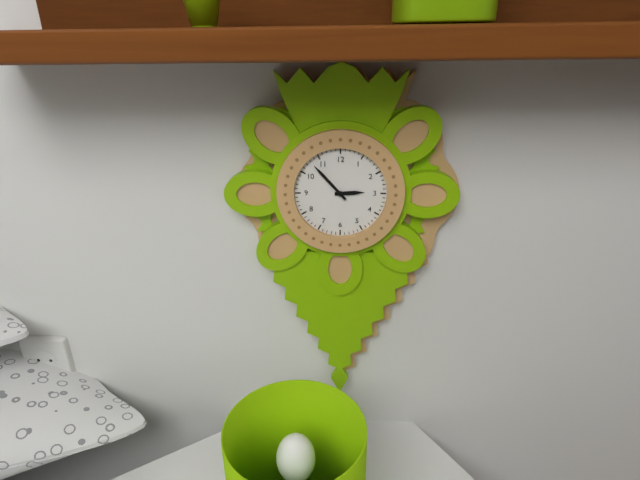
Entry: 2:53
